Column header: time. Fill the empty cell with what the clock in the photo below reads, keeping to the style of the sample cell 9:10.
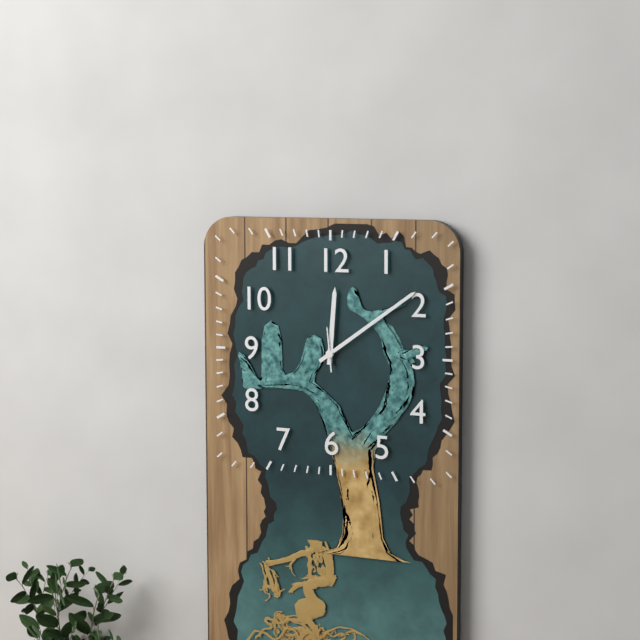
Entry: 12:09
